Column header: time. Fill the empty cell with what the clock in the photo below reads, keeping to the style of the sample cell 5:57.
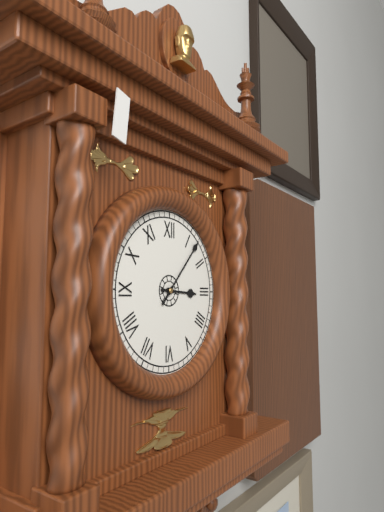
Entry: 3:07
